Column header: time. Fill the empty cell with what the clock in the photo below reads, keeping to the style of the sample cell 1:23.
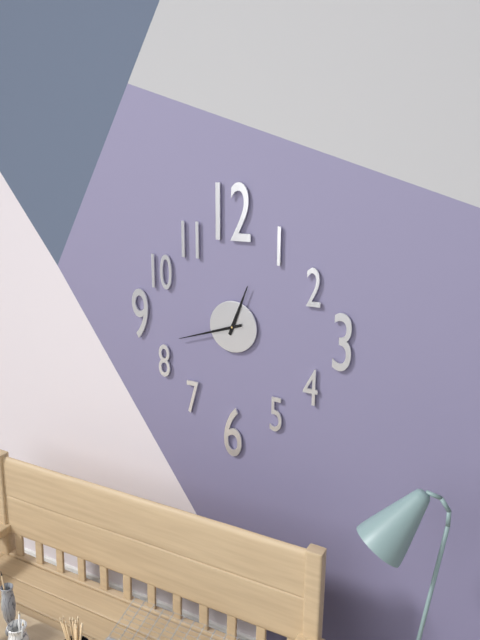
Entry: 12:42
